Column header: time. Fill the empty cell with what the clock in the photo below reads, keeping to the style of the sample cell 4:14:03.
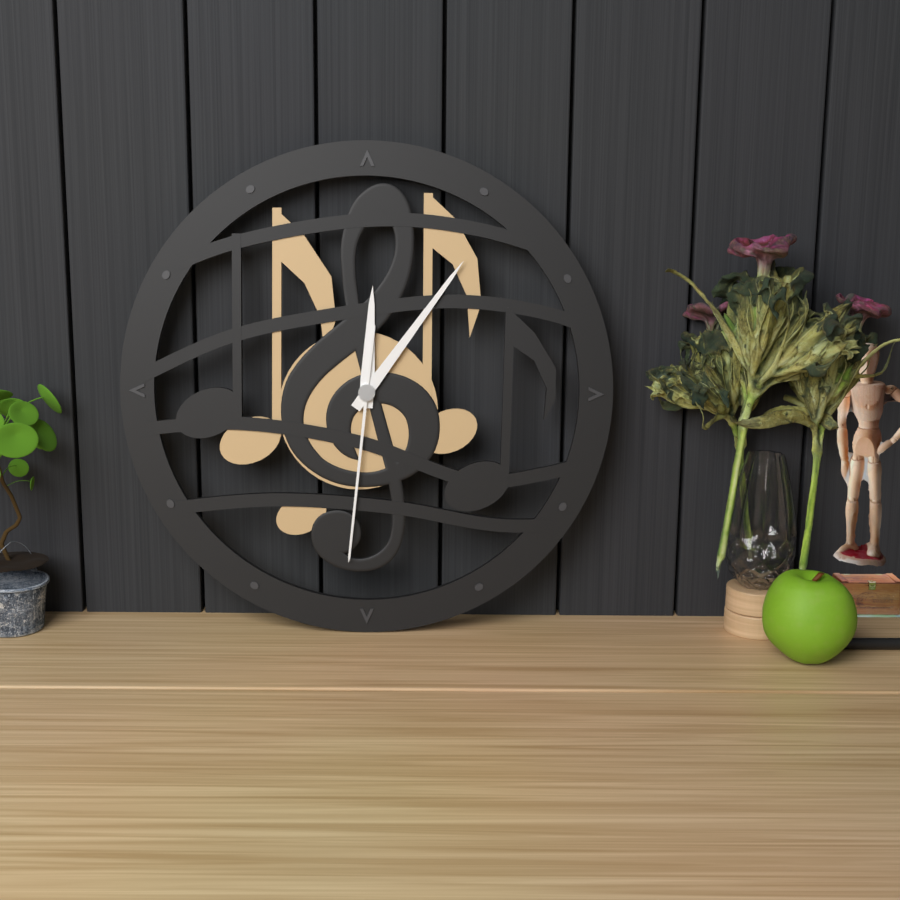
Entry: 12:06:31
